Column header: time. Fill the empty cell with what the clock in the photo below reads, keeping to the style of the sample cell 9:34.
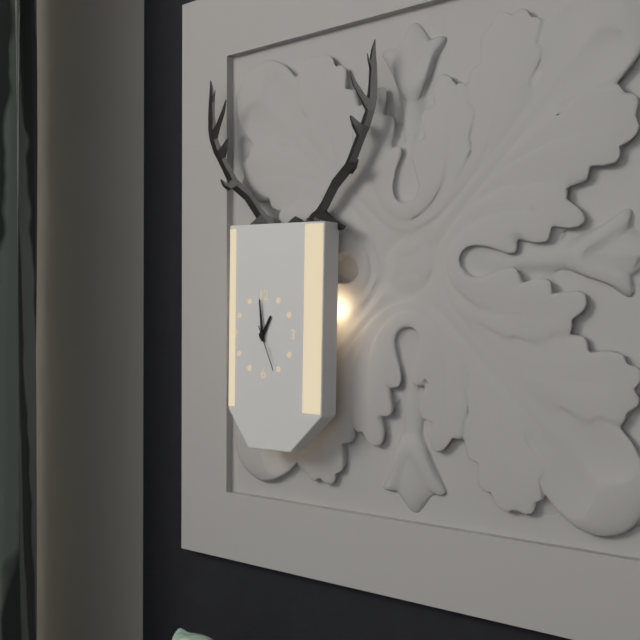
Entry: 12:59
